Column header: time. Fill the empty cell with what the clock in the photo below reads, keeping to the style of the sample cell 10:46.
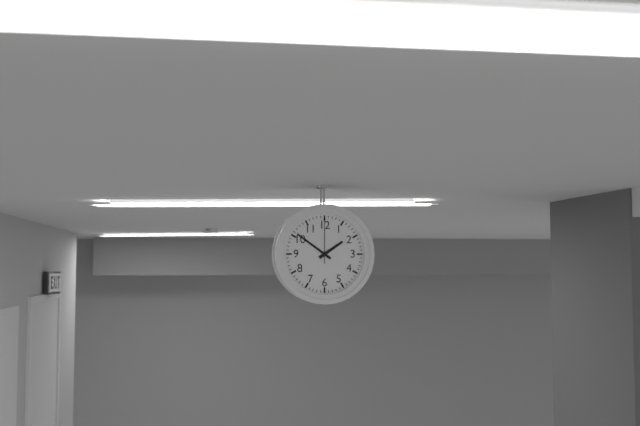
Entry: 1:51
